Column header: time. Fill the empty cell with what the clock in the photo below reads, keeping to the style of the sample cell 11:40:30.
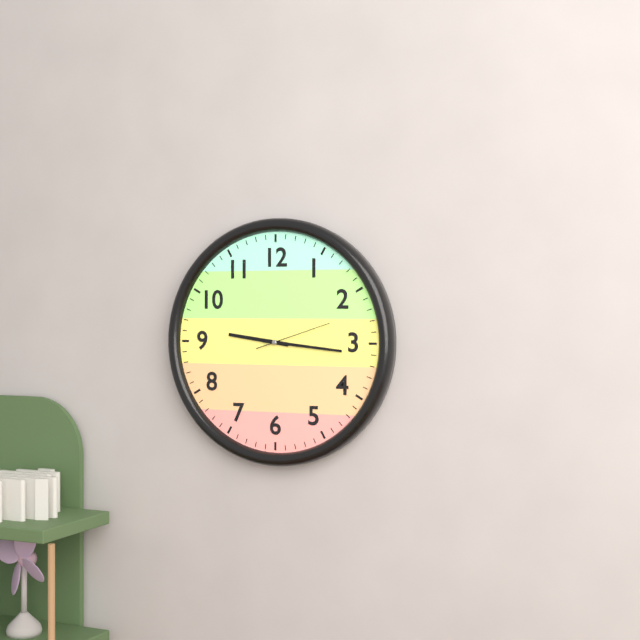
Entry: 9:16:12
